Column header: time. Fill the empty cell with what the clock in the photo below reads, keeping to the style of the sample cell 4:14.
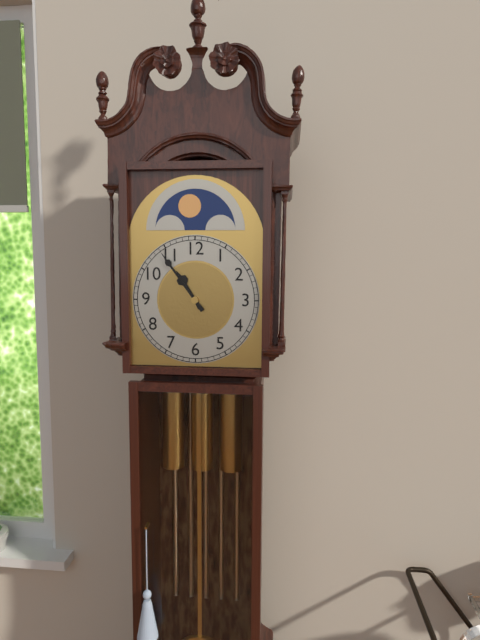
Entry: 10:54
